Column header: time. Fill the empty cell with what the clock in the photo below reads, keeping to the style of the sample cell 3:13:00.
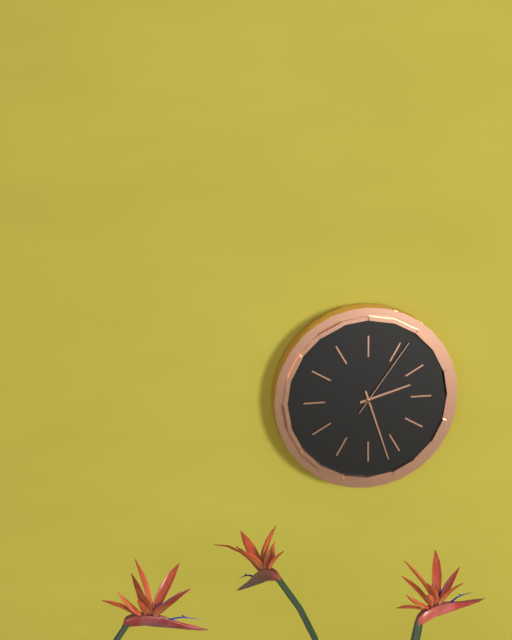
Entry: 2:27:06
